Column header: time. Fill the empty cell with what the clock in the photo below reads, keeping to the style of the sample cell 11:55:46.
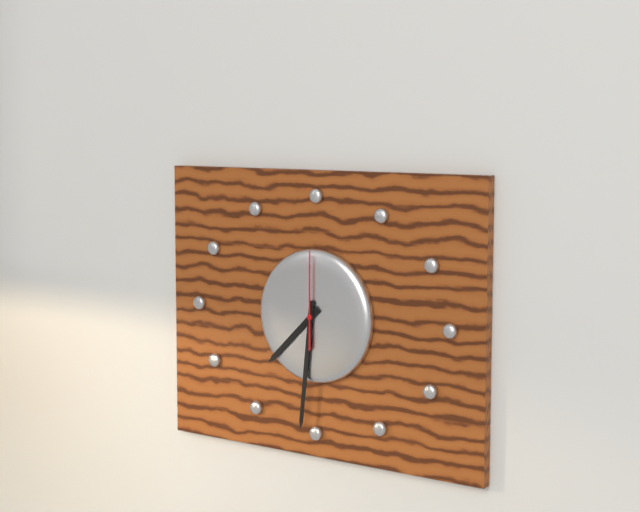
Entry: 7:31:00
